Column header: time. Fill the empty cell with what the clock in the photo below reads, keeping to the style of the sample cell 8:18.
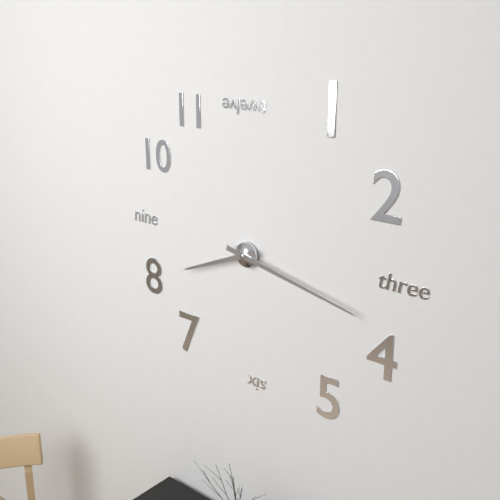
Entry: 8:17
